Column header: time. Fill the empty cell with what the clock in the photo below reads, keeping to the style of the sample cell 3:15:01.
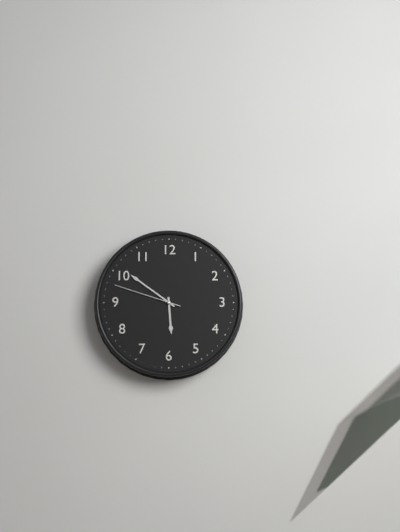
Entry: 5:51:48
